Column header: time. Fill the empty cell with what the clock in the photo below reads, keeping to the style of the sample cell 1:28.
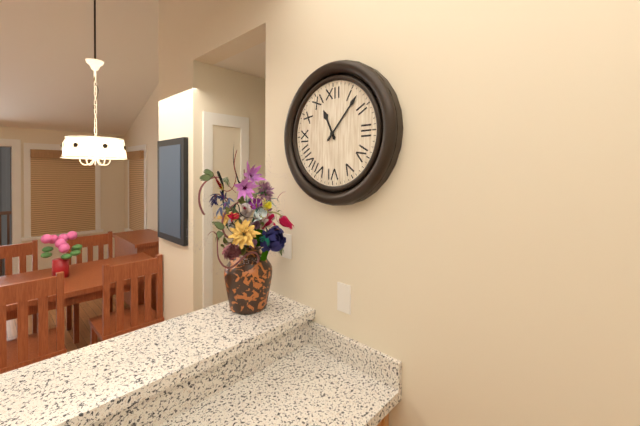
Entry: 11:07
